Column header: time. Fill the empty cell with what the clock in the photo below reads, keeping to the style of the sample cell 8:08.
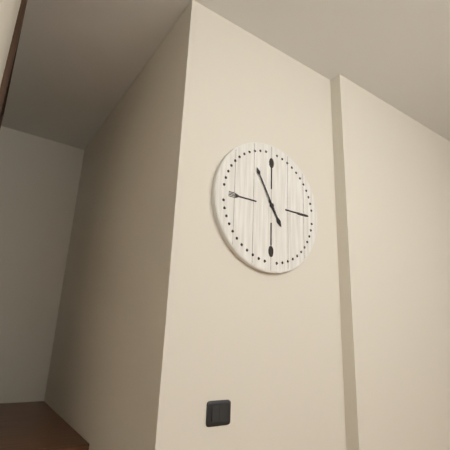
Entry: 4:55
